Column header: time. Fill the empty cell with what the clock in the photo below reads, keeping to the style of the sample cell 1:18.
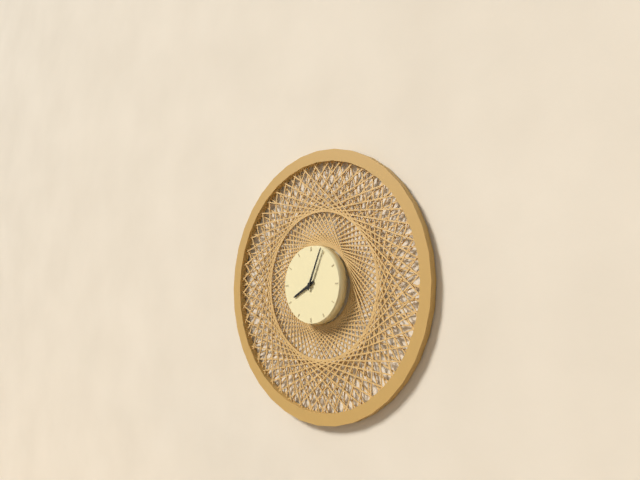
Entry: 8:04
